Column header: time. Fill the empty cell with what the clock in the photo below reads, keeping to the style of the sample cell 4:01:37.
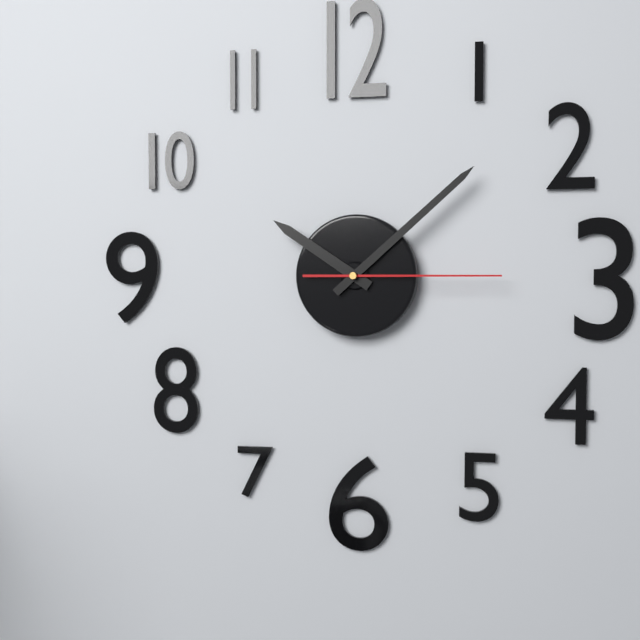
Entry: 10:08:15
